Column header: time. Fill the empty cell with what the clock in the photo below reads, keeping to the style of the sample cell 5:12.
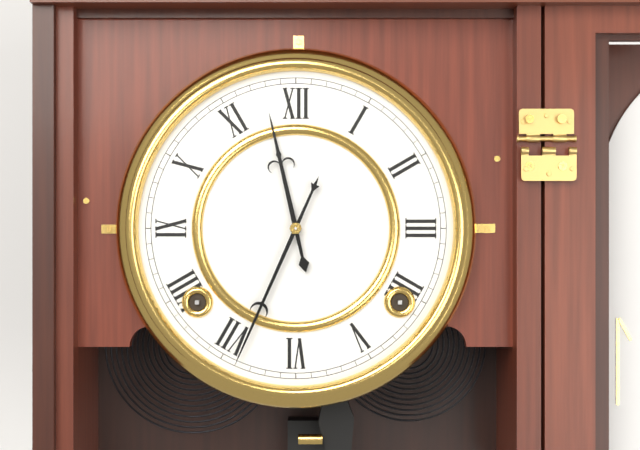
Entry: 11:34
